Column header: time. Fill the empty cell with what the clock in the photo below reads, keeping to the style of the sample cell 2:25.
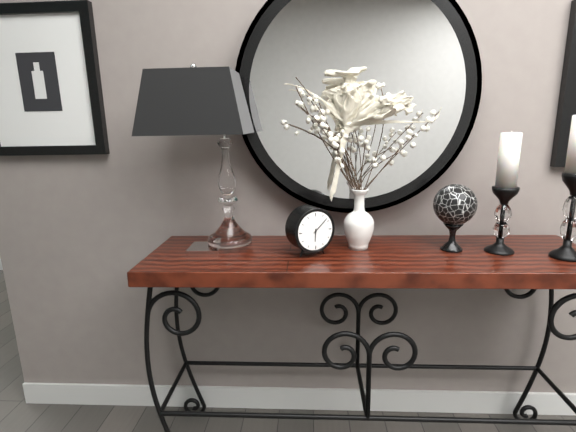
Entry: 6:08
